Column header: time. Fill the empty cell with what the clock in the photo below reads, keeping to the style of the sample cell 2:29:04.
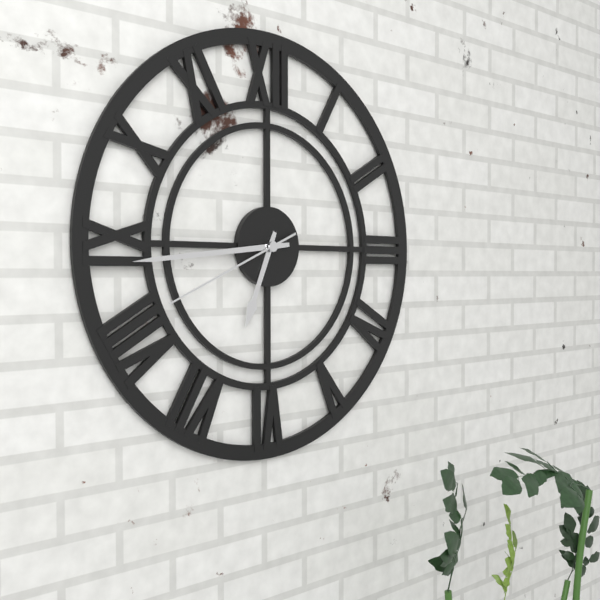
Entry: 6:44:41
